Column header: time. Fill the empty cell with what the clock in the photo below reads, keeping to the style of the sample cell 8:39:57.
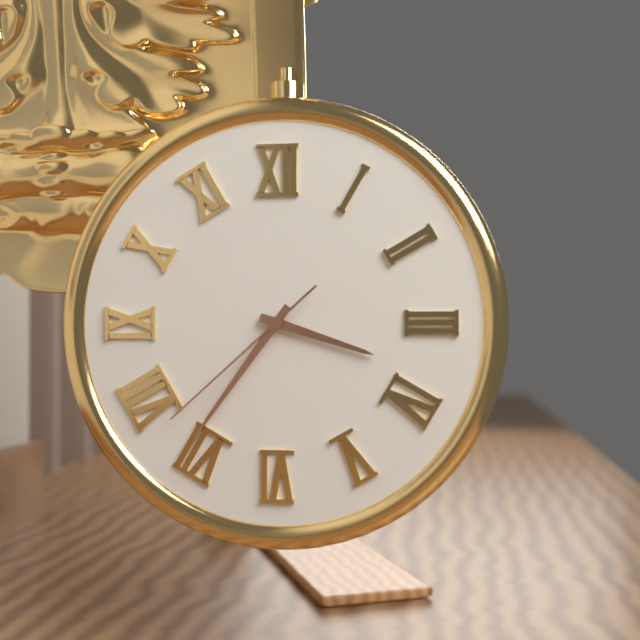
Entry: 3:36:38
